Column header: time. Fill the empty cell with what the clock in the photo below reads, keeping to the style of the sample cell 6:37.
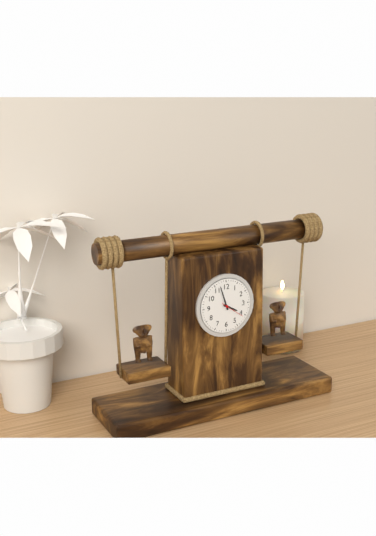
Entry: 3:57
